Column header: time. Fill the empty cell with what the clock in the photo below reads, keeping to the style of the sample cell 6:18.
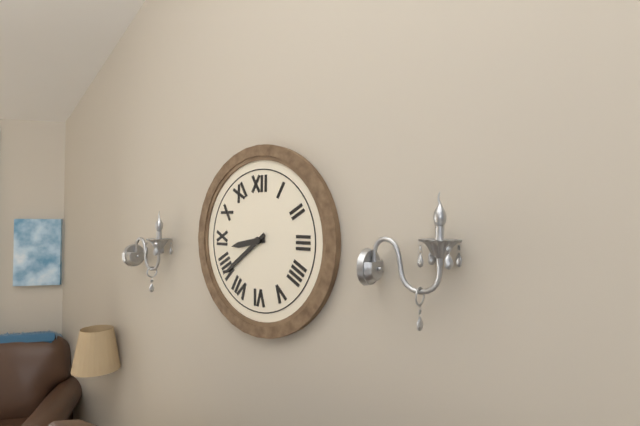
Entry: 8:39
